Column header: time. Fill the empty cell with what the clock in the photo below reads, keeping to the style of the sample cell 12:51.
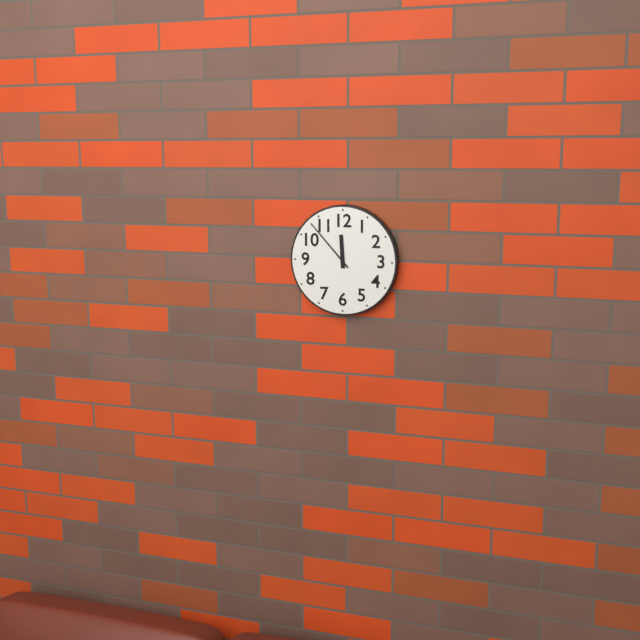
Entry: 11:53
